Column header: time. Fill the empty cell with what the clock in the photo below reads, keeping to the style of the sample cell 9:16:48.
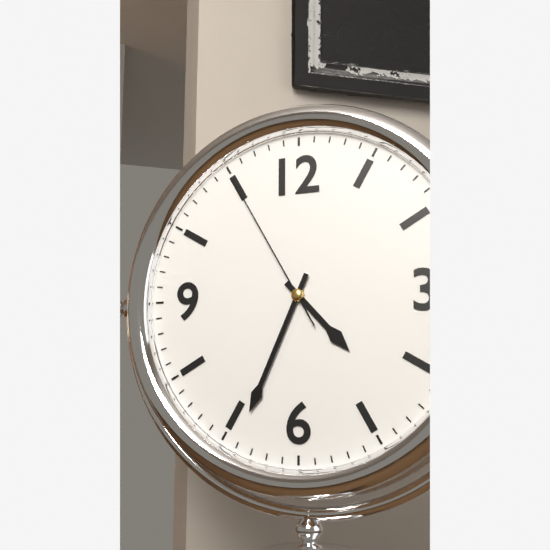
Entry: 4:34:55
